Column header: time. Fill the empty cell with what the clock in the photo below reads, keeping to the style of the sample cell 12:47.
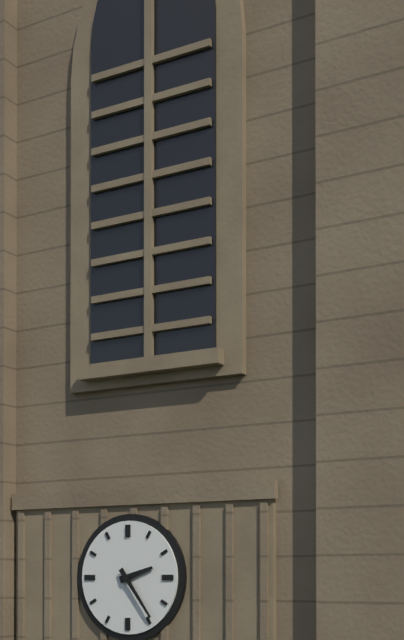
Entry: 2:24
